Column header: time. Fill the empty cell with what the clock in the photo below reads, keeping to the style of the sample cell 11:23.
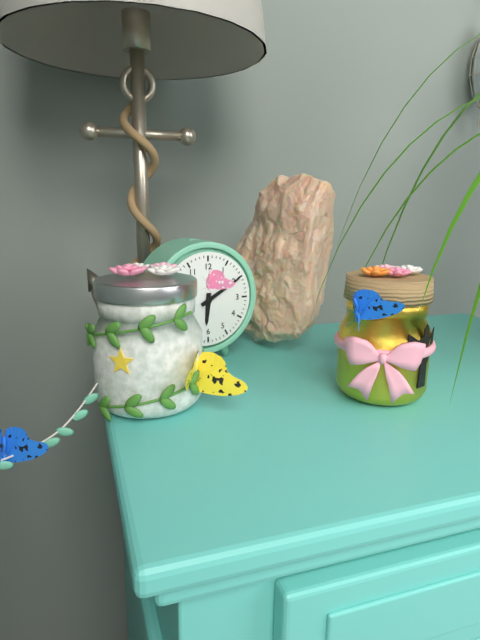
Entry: 6:10
